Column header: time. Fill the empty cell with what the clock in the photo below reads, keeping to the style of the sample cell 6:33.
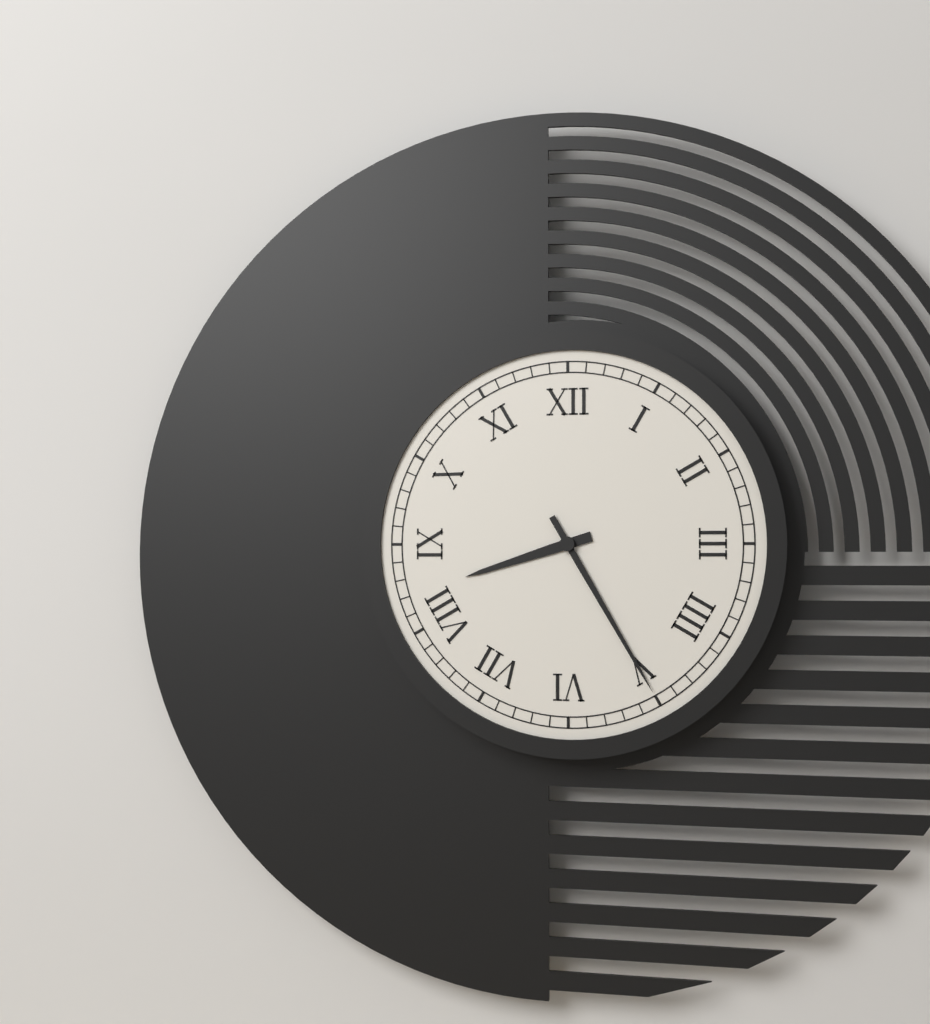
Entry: 8:25
